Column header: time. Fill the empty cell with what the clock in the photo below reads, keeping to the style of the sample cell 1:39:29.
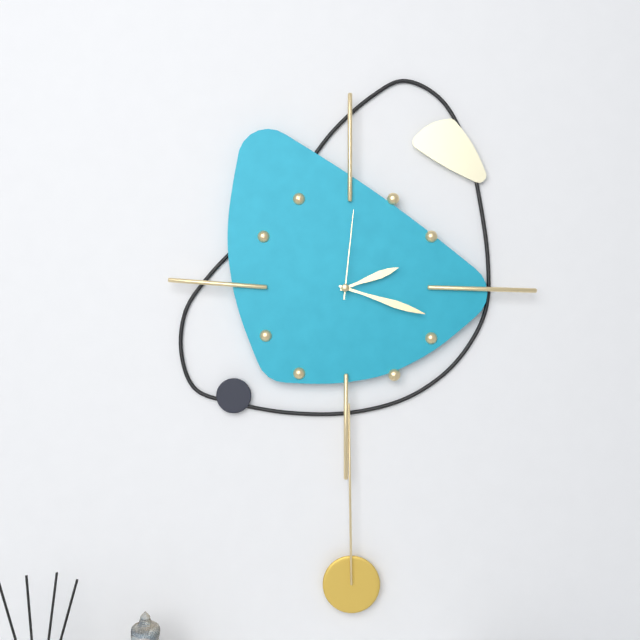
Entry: 2:18:01
